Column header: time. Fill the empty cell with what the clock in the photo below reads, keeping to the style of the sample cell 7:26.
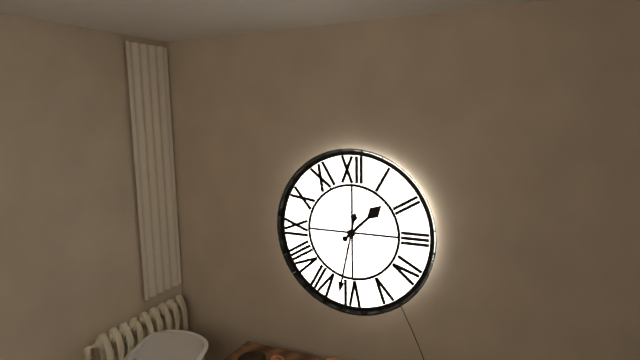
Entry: 1:32
